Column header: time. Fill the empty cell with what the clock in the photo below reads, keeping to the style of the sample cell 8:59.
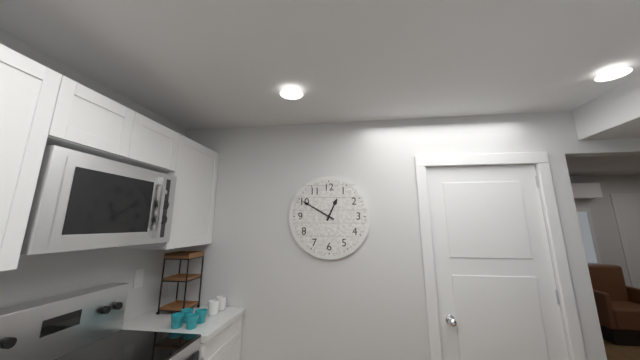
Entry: 12:50
